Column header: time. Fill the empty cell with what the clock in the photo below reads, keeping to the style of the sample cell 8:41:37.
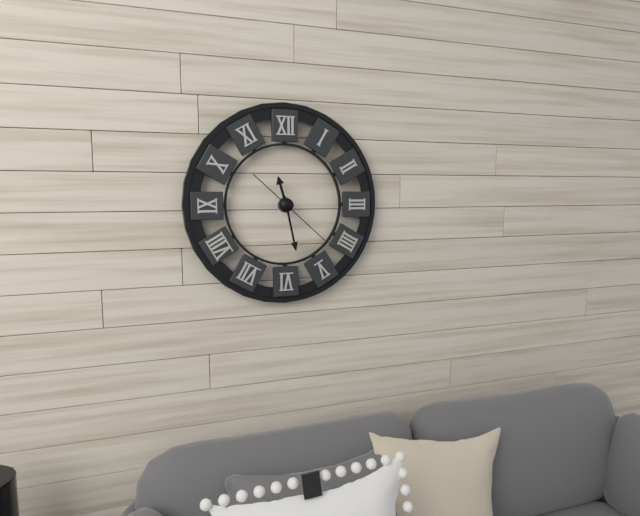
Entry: 11:28:22
